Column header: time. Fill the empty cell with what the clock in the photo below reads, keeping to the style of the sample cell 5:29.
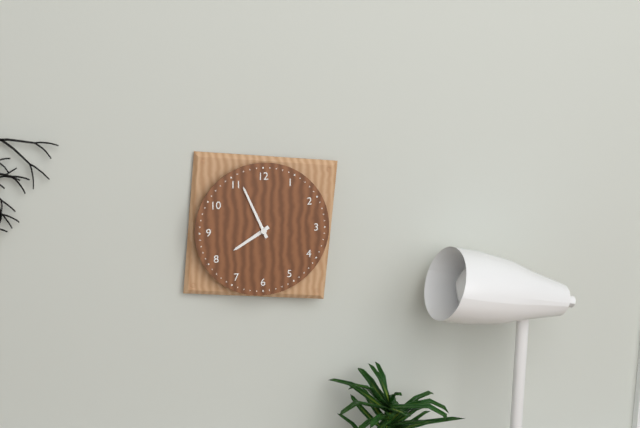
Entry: 7:56
